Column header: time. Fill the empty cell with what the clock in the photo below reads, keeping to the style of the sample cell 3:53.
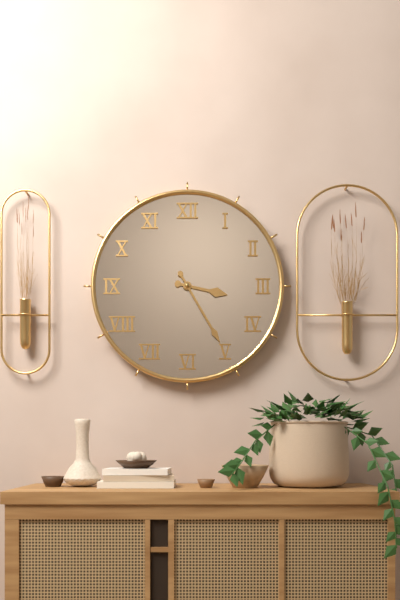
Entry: 3:25
